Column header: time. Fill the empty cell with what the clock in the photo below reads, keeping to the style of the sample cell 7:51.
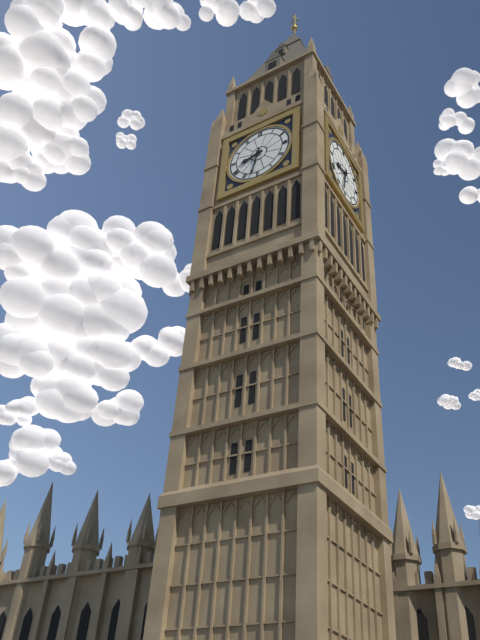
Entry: 8:32
